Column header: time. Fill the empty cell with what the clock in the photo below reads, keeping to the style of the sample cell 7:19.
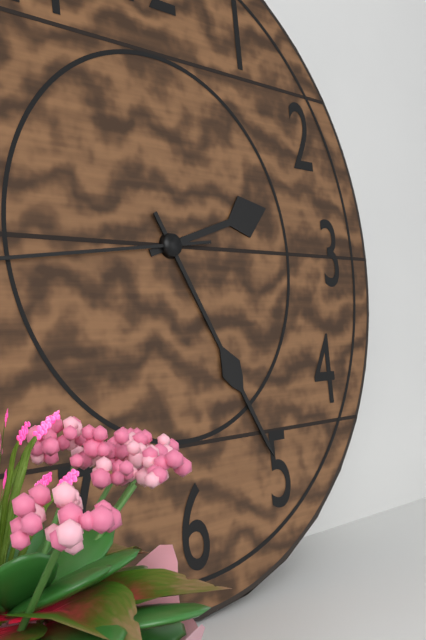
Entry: 2:25
